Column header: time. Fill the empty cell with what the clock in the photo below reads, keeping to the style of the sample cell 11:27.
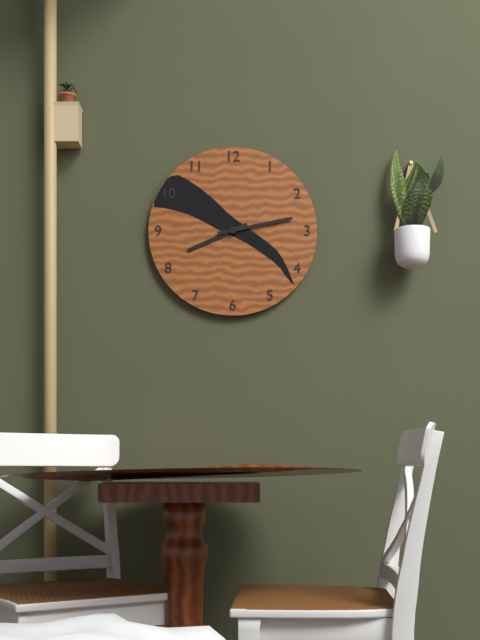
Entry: 8:13
